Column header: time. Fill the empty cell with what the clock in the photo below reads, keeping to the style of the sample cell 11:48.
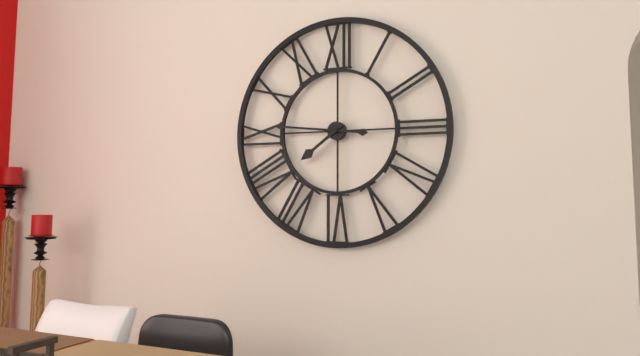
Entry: 7:46
